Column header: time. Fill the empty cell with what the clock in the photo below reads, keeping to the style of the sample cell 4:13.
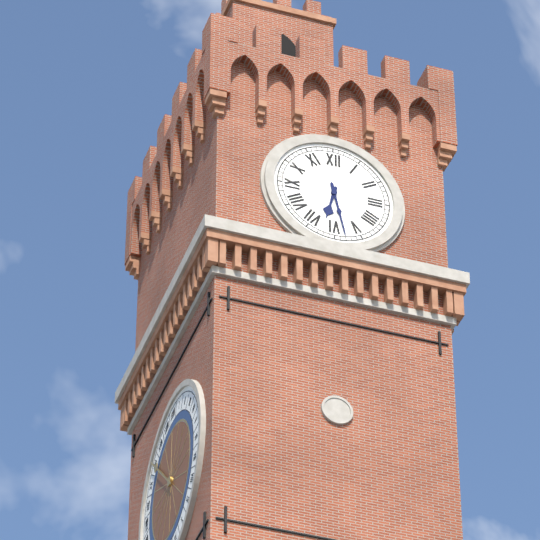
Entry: 6:28
